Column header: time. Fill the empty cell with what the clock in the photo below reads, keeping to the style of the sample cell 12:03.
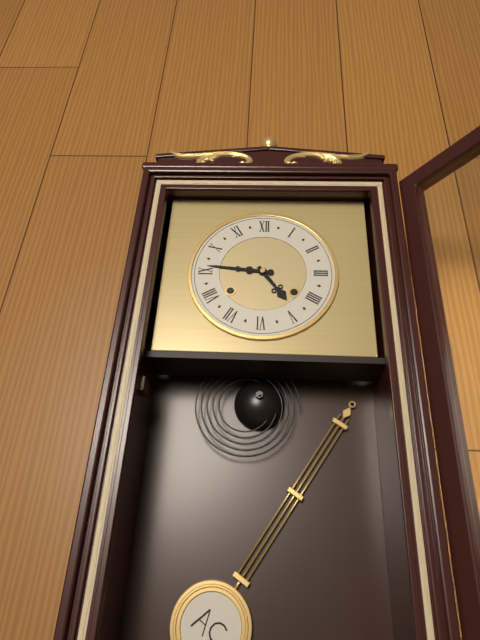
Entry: 4:46
